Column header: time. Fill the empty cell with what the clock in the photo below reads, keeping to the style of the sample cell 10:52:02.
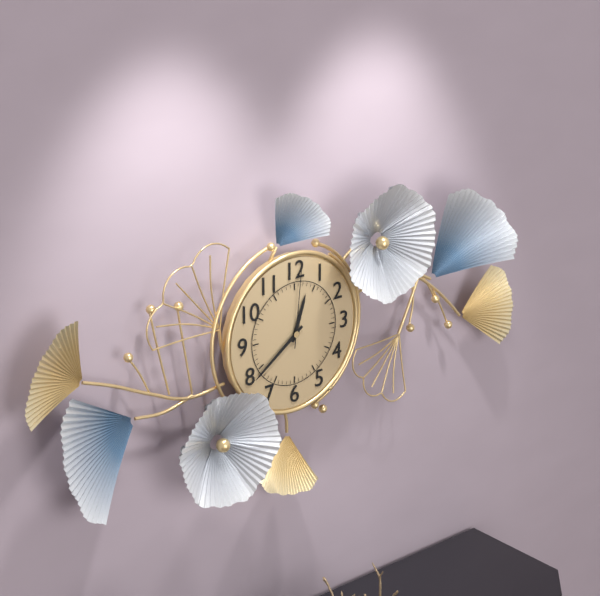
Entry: 12:39:01
